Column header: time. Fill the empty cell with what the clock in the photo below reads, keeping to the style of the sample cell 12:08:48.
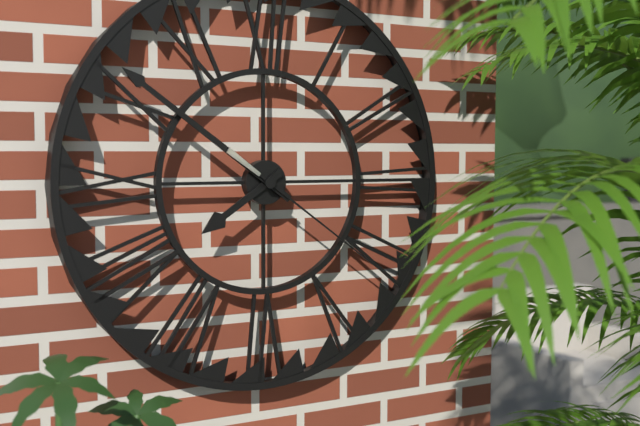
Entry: 7:51:21
